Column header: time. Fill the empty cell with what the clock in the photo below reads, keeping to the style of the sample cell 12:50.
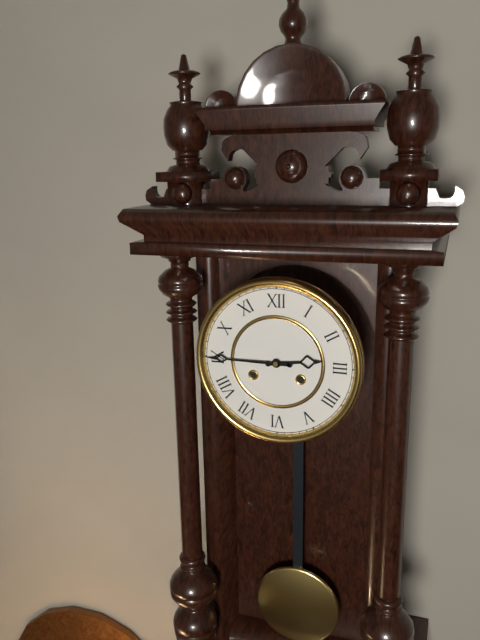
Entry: 2:45
